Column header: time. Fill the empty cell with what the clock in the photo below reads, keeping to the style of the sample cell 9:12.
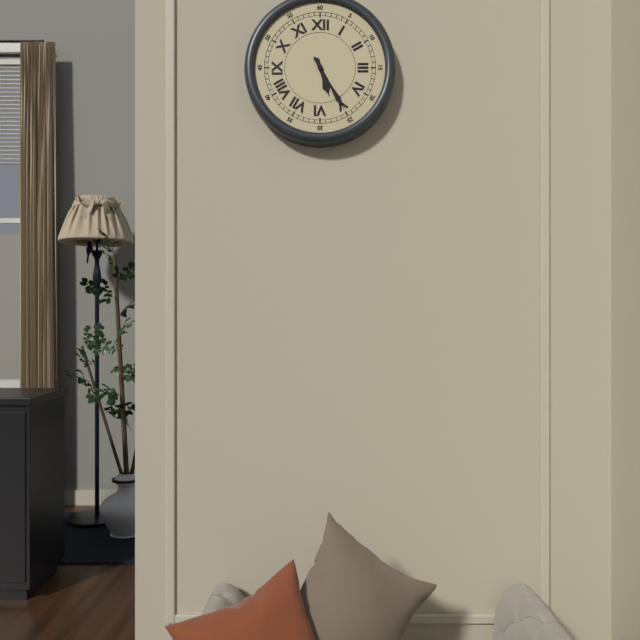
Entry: 5:25
